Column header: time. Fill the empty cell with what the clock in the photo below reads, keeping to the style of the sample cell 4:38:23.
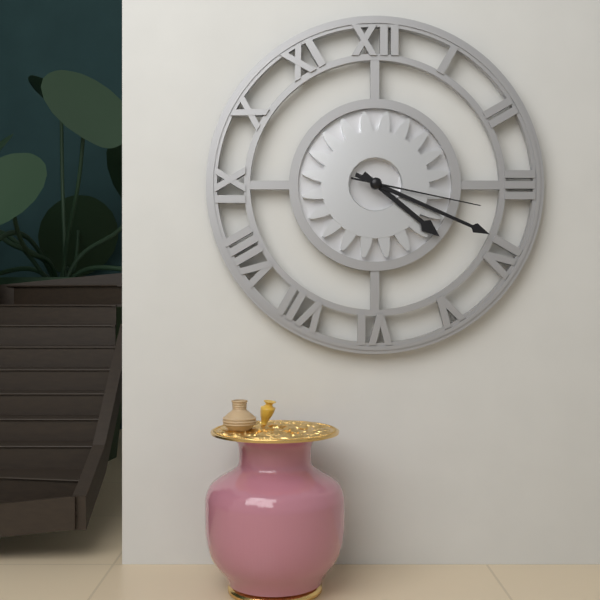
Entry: 4:19:17
